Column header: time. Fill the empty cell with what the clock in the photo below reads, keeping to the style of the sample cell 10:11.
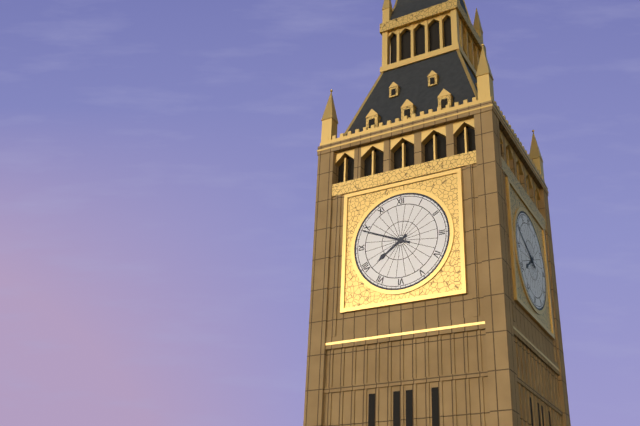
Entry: 7:49
